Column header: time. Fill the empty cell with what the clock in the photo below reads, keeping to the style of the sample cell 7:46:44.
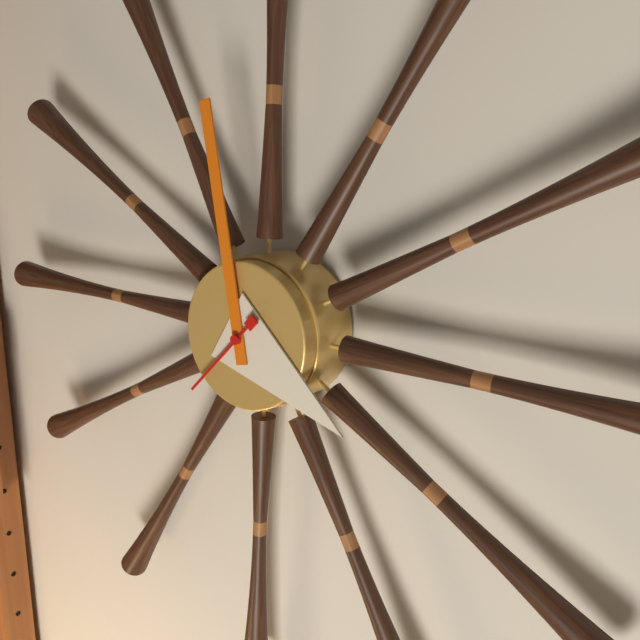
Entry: 3:58:37
